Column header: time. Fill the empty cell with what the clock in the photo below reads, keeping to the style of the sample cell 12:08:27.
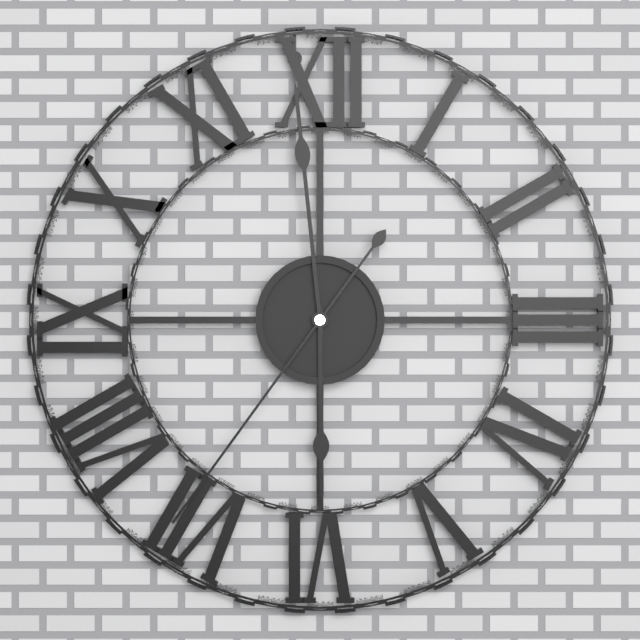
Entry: 5:59:36
